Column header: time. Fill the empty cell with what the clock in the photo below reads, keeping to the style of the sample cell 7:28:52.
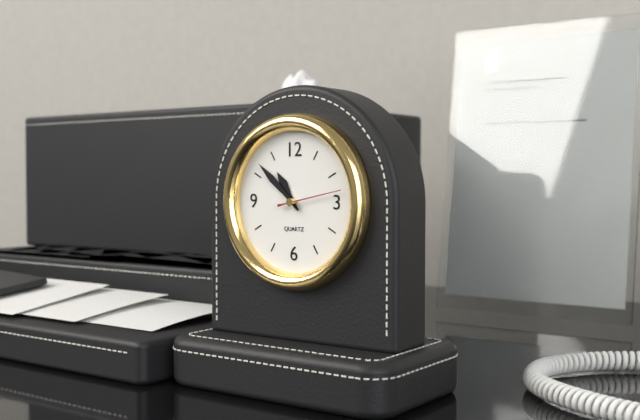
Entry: 10:52:13
